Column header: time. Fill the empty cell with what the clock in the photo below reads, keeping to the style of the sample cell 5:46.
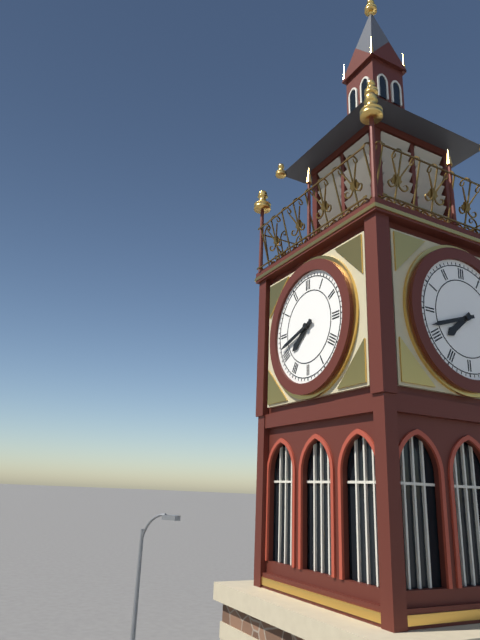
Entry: 7:42
